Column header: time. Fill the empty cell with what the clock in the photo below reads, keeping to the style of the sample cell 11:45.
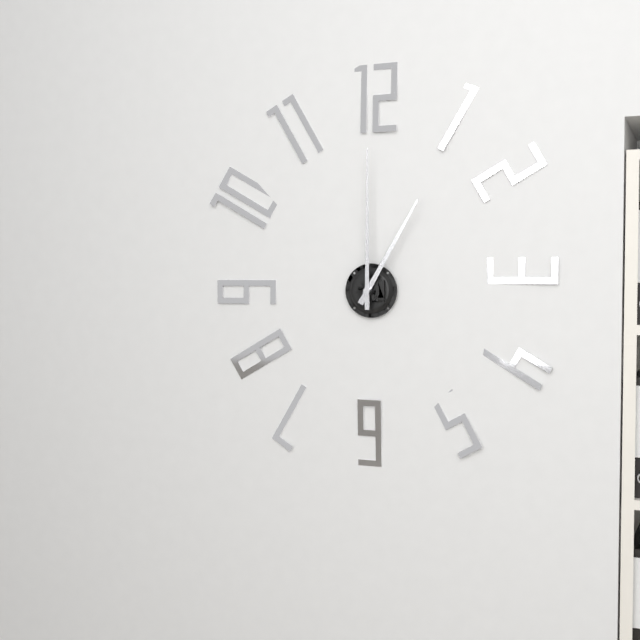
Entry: 1:00
